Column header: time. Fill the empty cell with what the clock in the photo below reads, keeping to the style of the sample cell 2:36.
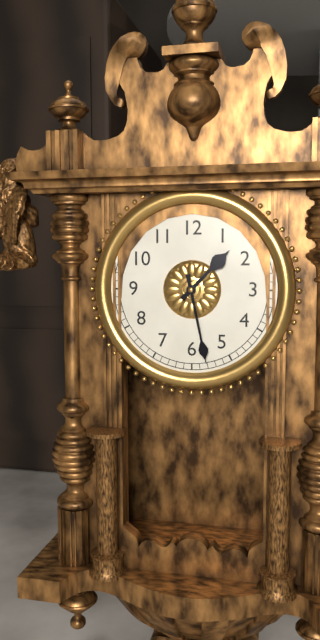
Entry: 1:28
